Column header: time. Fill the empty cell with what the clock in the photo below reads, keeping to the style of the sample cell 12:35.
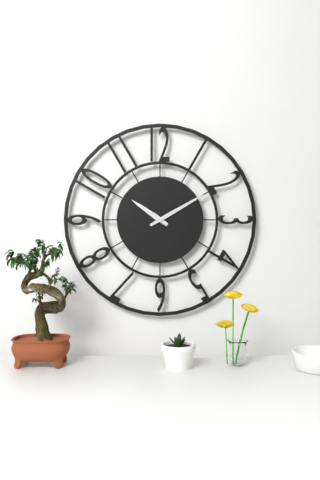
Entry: 10:10
